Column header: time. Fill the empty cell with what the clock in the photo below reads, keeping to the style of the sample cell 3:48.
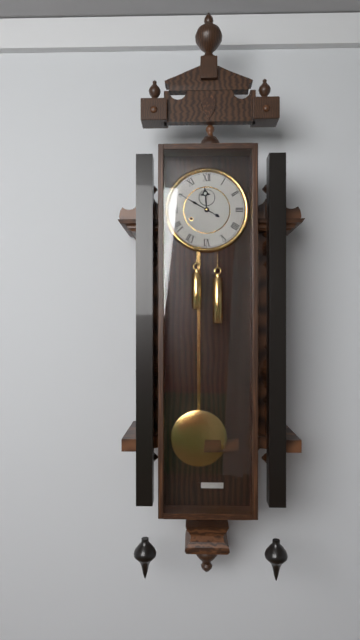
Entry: 11:50
